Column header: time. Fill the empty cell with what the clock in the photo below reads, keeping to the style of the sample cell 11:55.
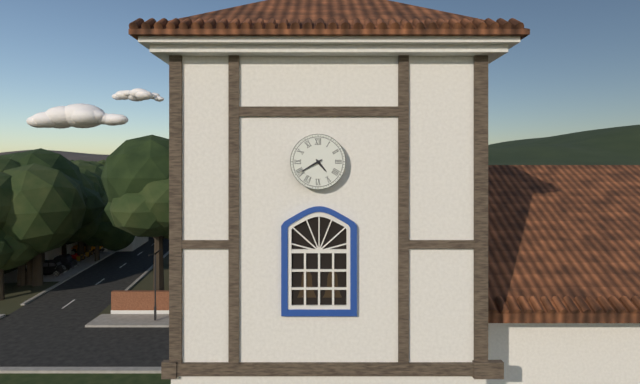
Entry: 4:40
